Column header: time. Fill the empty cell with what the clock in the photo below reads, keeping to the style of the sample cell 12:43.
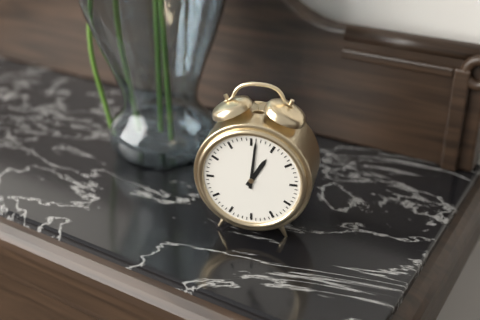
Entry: 1:01
